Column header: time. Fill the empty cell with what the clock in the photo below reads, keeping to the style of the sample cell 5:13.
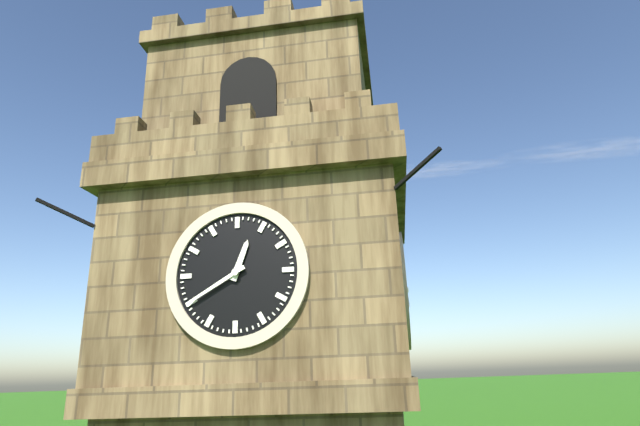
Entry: 12:40
